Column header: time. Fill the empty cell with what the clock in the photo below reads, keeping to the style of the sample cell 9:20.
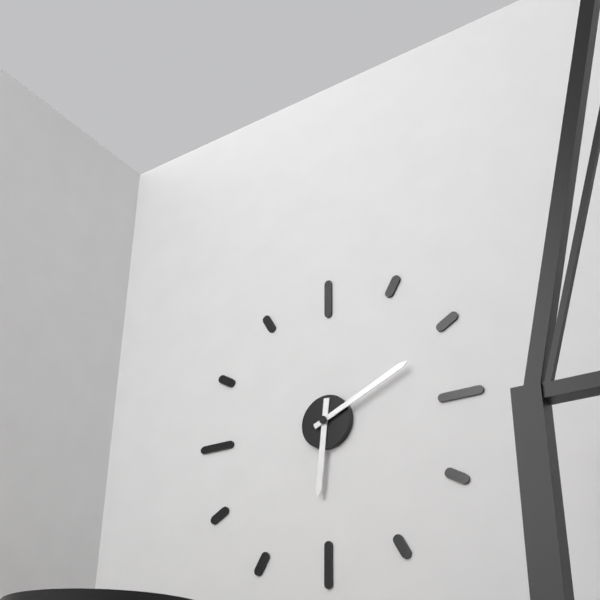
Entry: 6:11
